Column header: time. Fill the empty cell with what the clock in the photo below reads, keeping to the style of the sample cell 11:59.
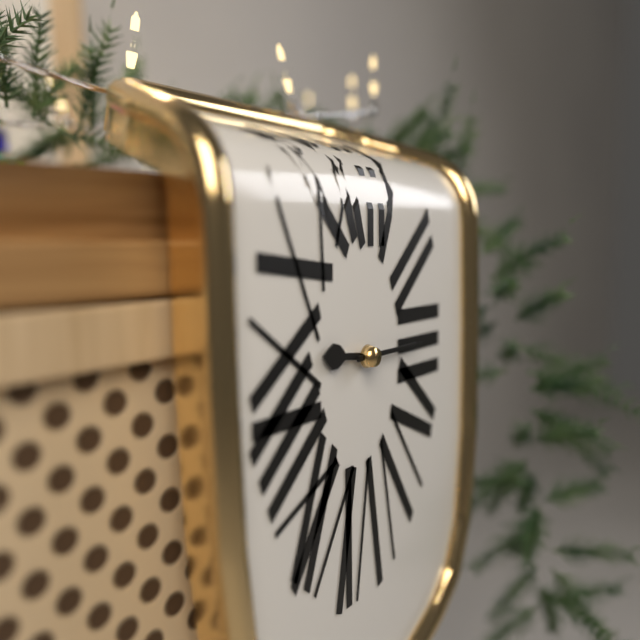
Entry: 9:15
